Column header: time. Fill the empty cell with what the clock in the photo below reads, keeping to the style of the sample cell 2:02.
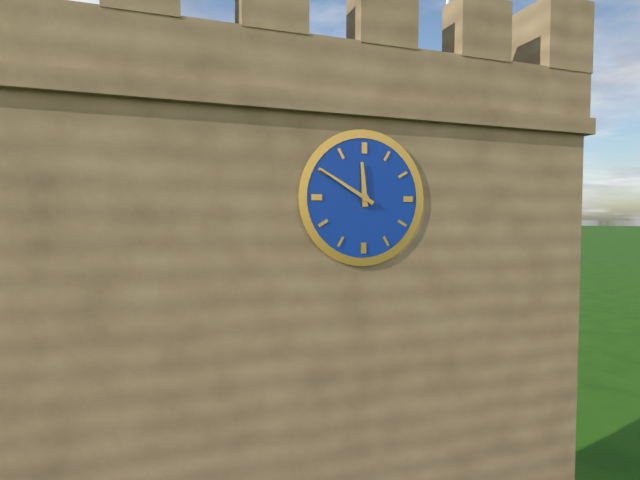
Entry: 11:50
